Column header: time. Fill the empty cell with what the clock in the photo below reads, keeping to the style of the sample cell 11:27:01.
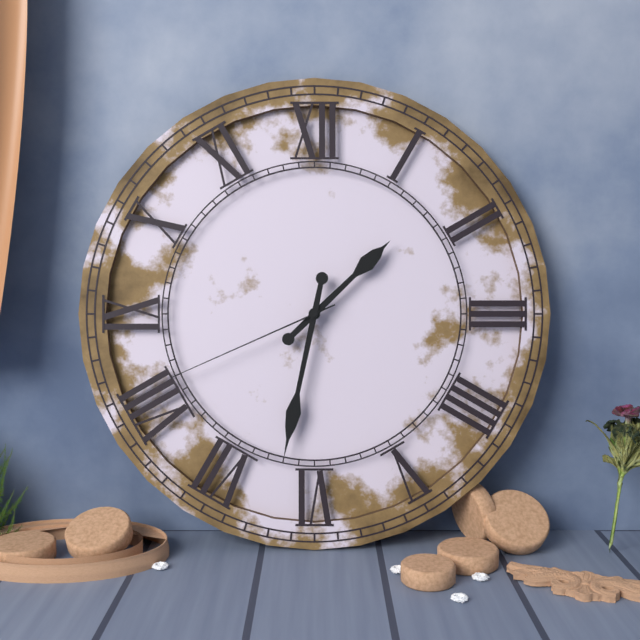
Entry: 1:32:41
